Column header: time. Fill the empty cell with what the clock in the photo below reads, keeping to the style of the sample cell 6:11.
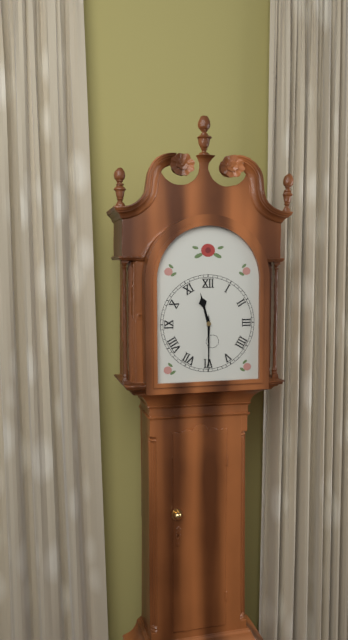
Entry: 11:30
